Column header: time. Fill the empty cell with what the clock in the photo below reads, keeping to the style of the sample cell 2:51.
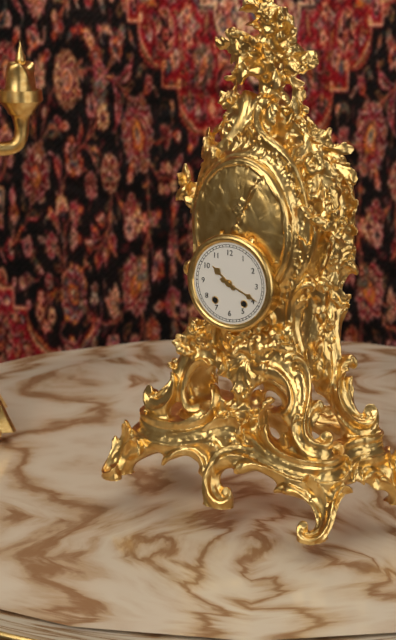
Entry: 10:19
